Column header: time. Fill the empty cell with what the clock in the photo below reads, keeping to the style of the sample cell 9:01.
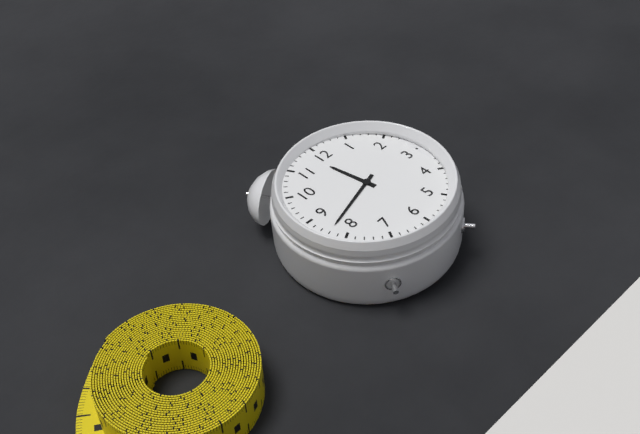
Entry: 11:42
